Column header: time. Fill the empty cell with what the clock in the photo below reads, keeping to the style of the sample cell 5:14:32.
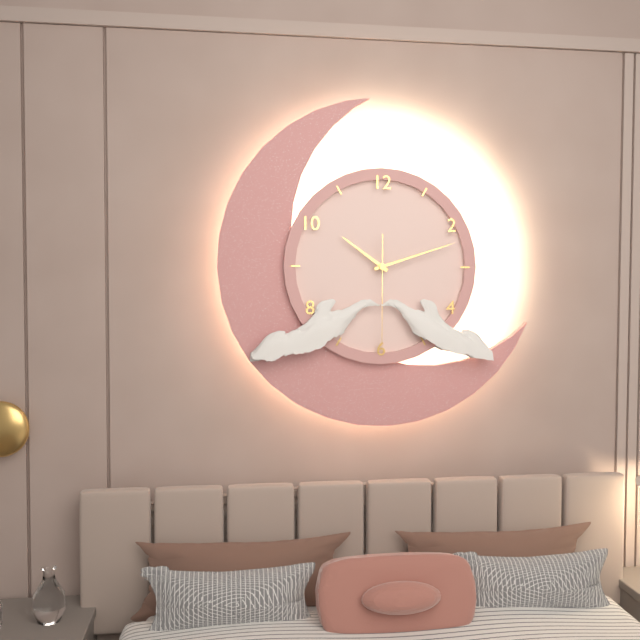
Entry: 10:12:30
